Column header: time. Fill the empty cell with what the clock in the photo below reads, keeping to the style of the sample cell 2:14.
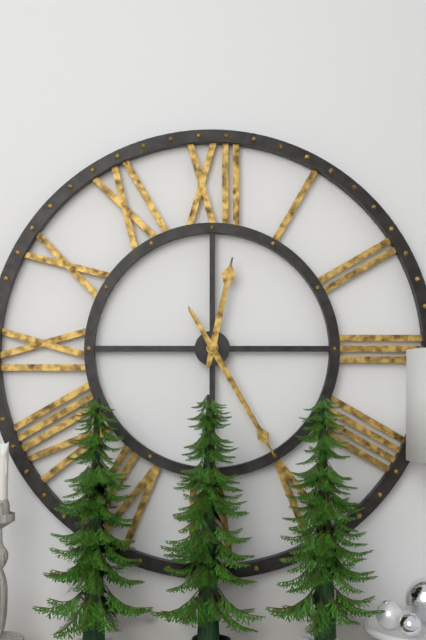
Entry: 12:25
